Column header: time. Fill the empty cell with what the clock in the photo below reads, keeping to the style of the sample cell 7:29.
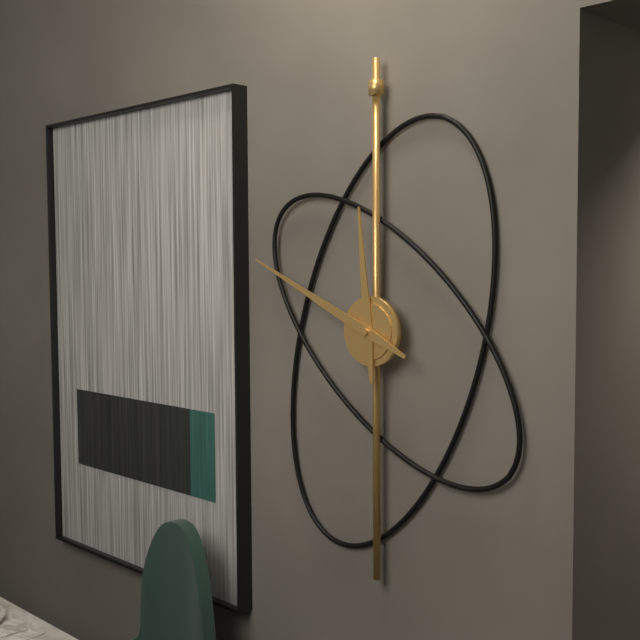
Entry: 11:49
